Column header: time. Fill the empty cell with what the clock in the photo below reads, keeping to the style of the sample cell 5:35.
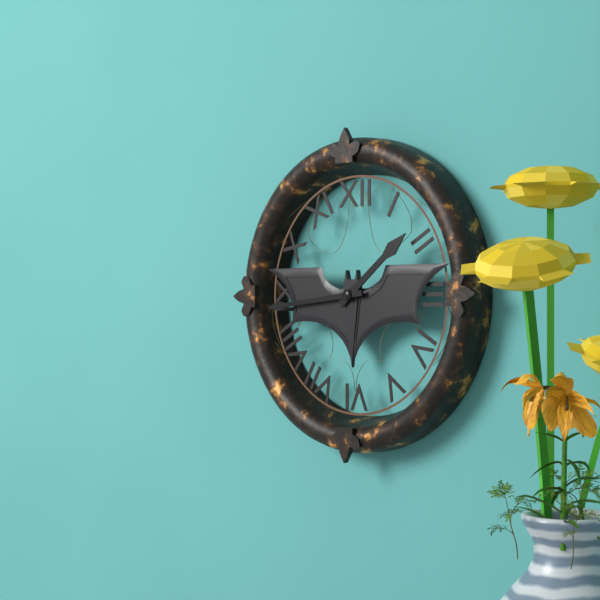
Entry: 1:44
